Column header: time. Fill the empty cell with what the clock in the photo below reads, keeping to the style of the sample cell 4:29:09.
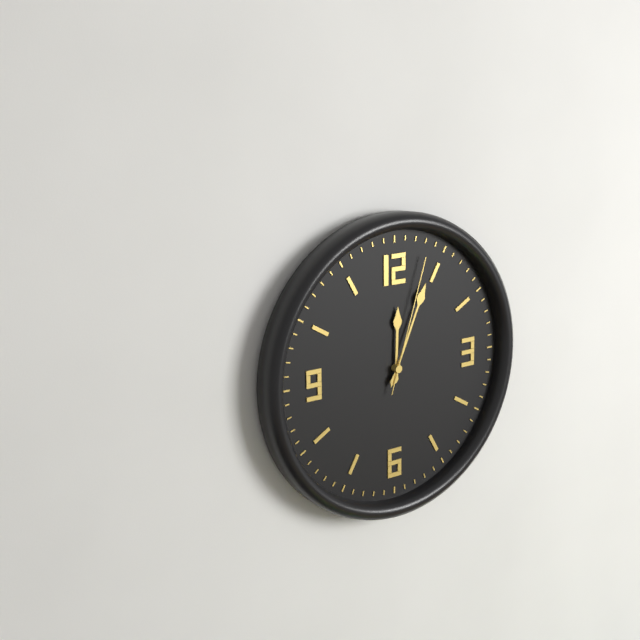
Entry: 12:04:03
